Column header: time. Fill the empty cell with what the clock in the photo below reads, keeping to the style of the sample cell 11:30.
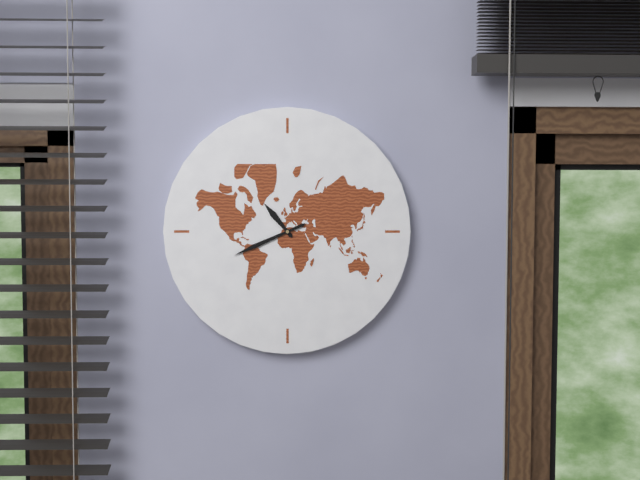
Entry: 10:41
